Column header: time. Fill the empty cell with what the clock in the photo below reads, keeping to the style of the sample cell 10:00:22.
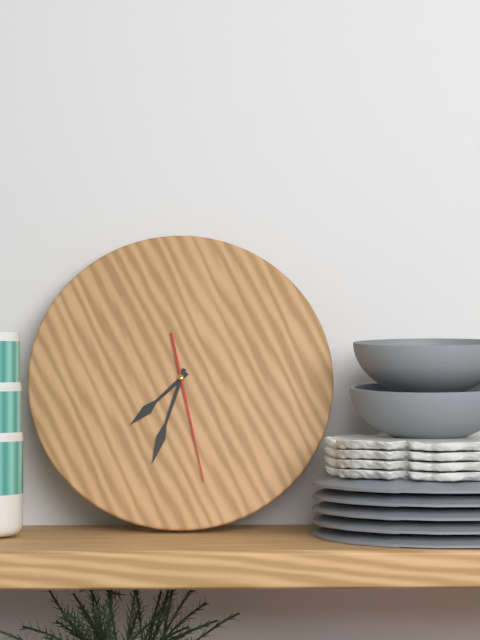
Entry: 7:33:28
